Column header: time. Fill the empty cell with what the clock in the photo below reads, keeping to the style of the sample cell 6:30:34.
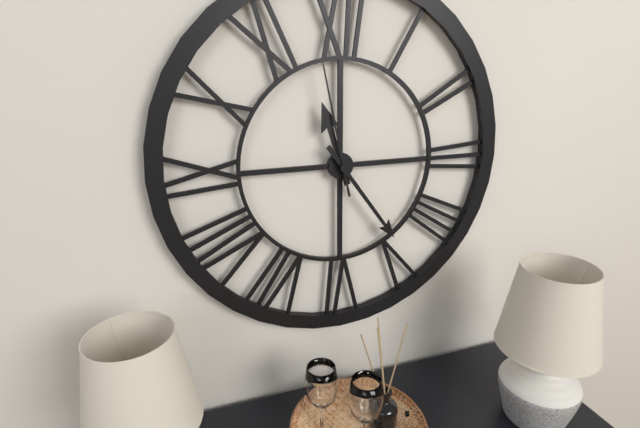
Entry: 11:24:58
